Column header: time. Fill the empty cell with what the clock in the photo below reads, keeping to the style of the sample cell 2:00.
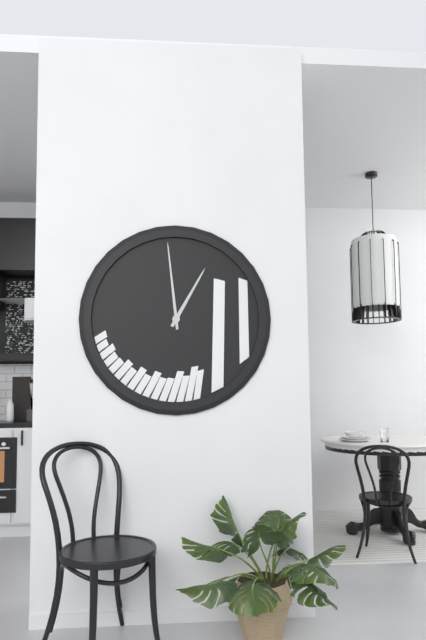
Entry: 12:59
